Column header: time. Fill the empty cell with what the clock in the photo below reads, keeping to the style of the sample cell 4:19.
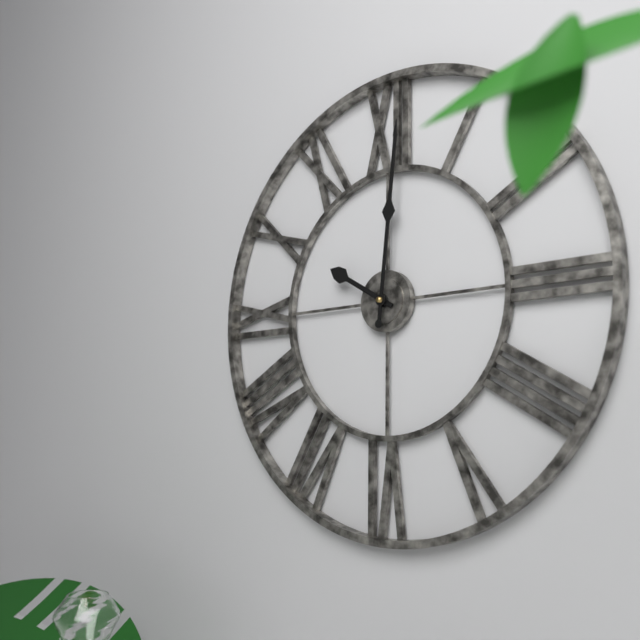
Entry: 10:01
